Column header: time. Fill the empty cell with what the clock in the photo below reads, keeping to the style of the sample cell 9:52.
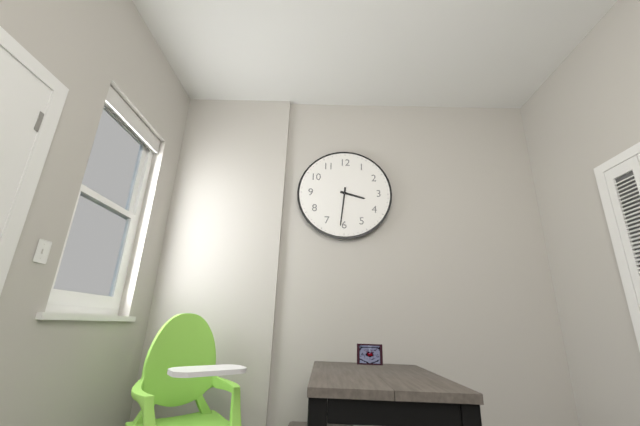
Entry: 3:31
